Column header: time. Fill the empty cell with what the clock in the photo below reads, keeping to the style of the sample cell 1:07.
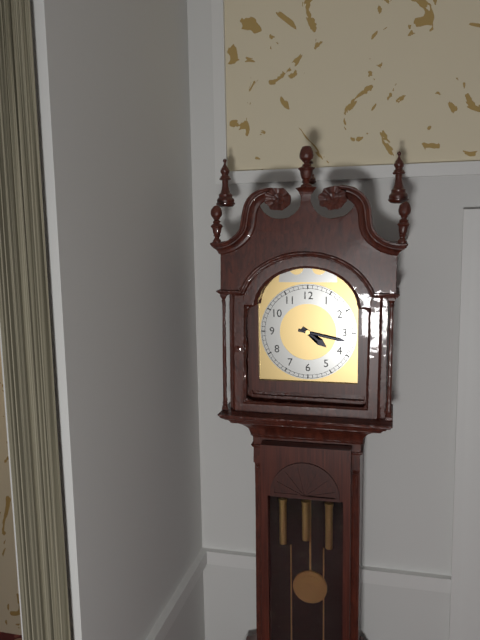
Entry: 4:17
